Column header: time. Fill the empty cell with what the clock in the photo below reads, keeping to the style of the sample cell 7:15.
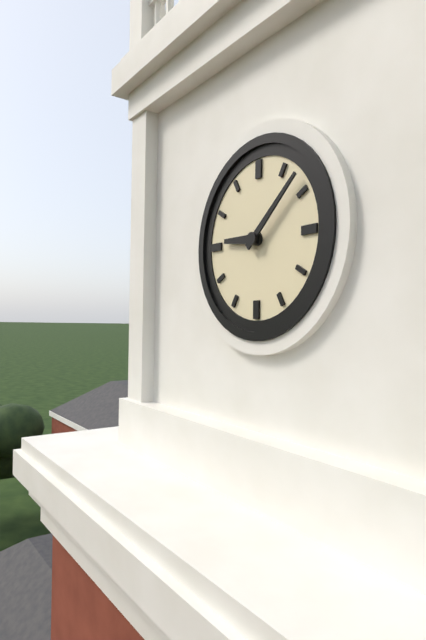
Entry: 9:08
